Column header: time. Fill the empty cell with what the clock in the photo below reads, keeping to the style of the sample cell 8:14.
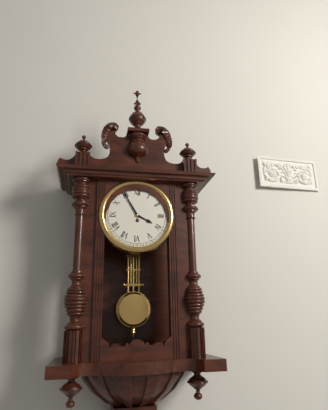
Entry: 3:55
